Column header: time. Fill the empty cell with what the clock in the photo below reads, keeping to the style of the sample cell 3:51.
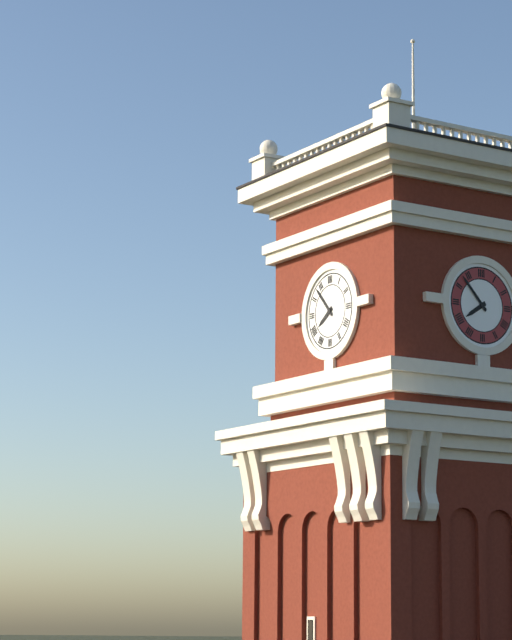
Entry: 7:53
